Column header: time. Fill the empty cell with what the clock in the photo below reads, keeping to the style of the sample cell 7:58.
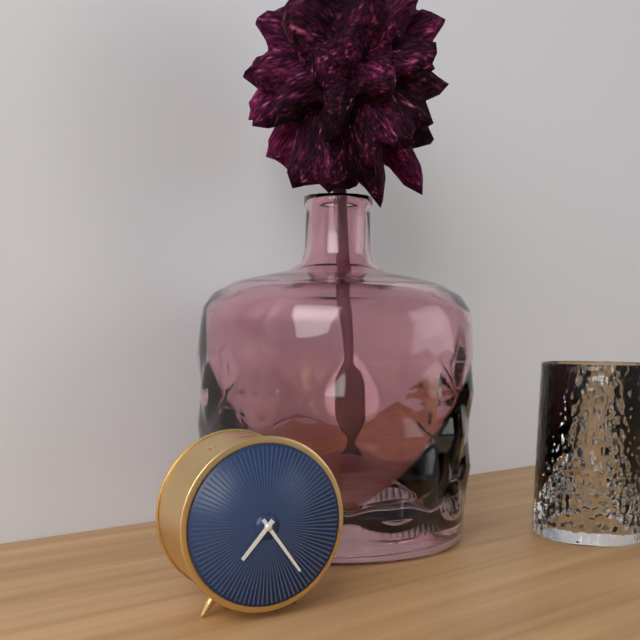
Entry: 7:24
